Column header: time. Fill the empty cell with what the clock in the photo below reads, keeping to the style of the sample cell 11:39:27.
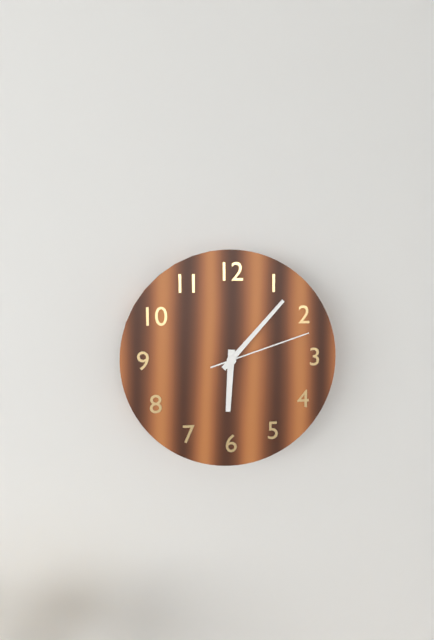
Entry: 6:07:12
